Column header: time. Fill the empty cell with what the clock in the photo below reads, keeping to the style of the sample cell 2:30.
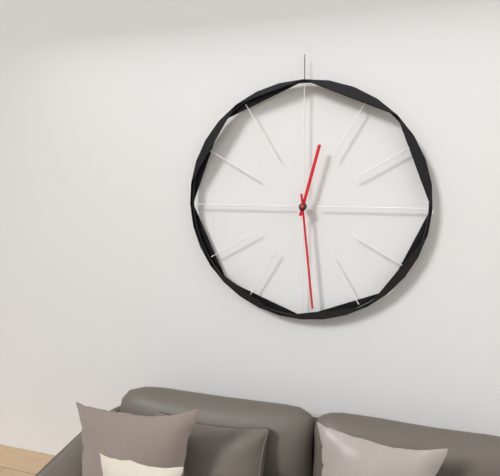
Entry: 12:29
